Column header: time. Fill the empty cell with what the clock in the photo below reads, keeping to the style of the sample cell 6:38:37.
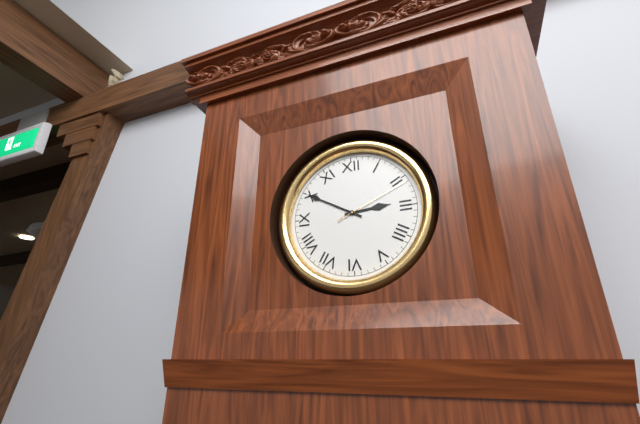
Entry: 2:50:11
